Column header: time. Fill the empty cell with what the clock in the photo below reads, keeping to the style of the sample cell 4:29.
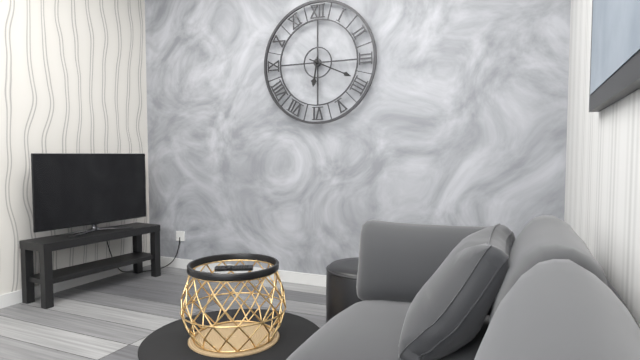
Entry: 6:19
